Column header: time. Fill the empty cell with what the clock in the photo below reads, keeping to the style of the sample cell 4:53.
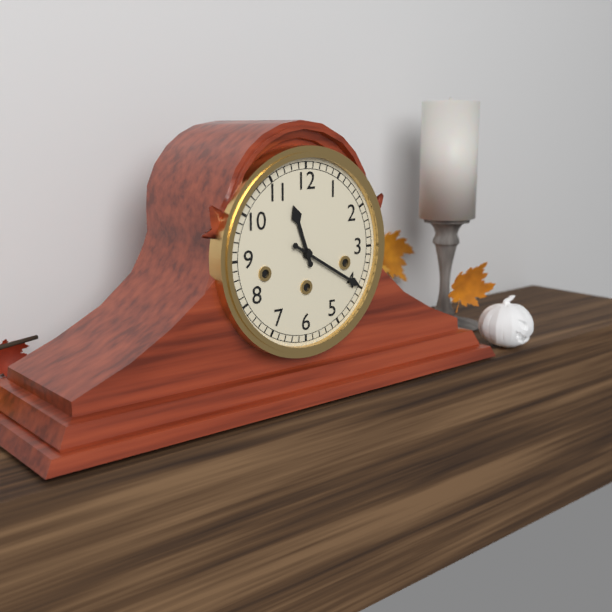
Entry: 11:20
